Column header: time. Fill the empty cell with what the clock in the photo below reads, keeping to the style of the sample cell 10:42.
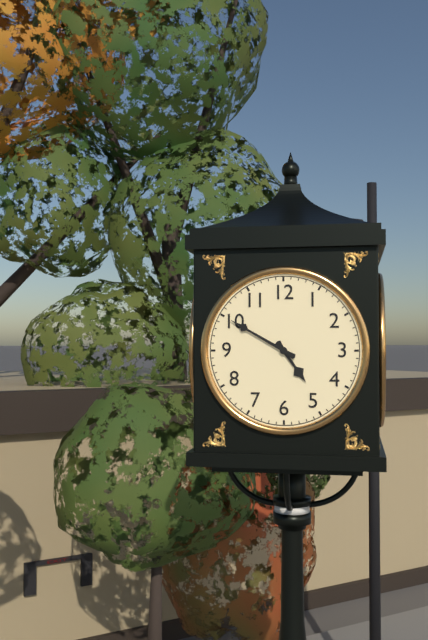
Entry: 4:50
